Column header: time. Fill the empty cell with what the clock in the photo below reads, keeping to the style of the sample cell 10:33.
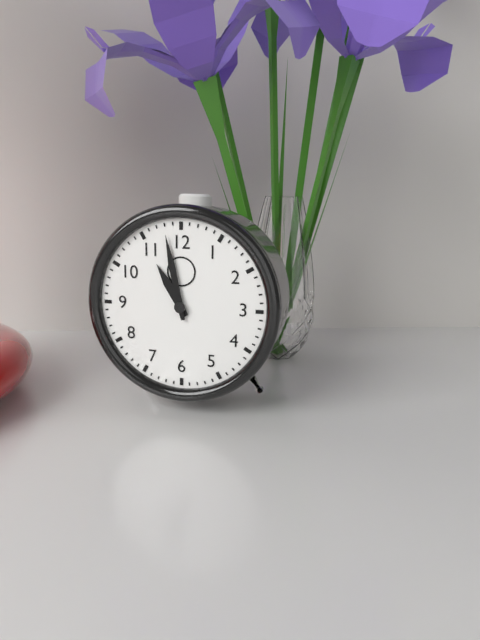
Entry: 10:58
